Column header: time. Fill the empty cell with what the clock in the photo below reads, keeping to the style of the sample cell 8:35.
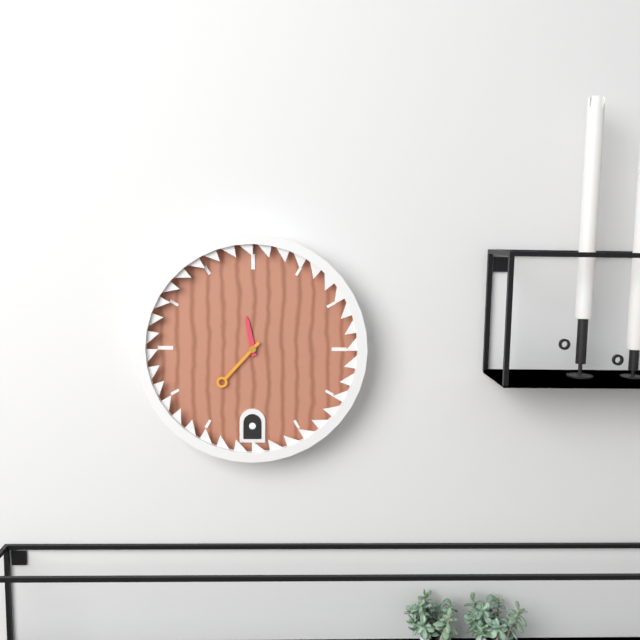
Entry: 11:37
